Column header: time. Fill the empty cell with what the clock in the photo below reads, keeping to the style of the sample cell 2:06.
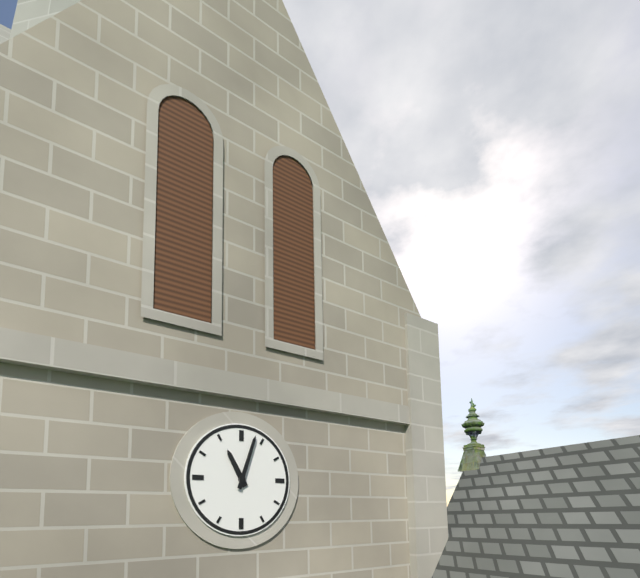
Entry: 11:03
